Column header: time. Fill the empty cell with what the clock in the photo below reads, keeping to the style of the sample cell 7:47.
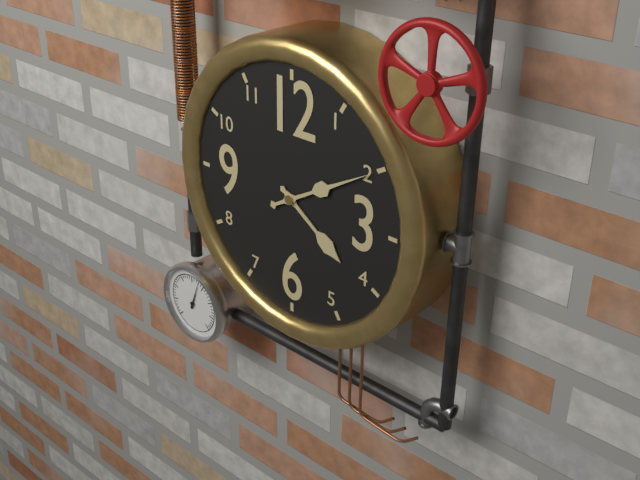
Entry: 4:10
